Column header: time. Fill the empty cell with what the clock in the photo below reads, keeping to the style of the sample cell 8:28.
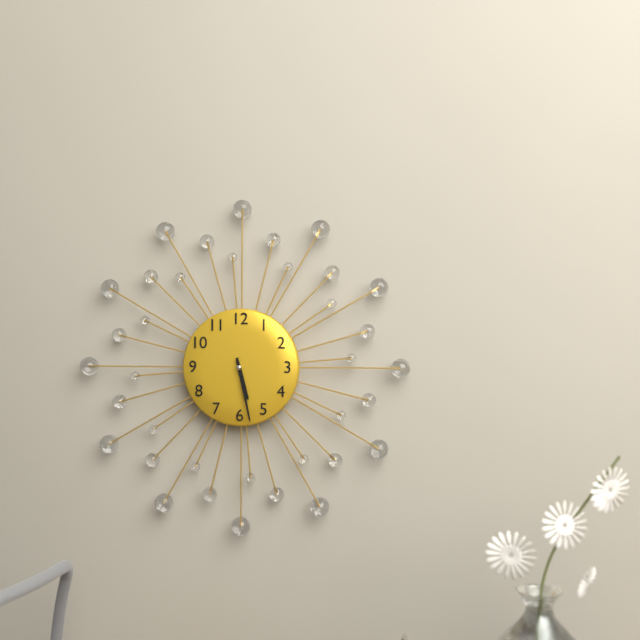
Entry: 5:28
